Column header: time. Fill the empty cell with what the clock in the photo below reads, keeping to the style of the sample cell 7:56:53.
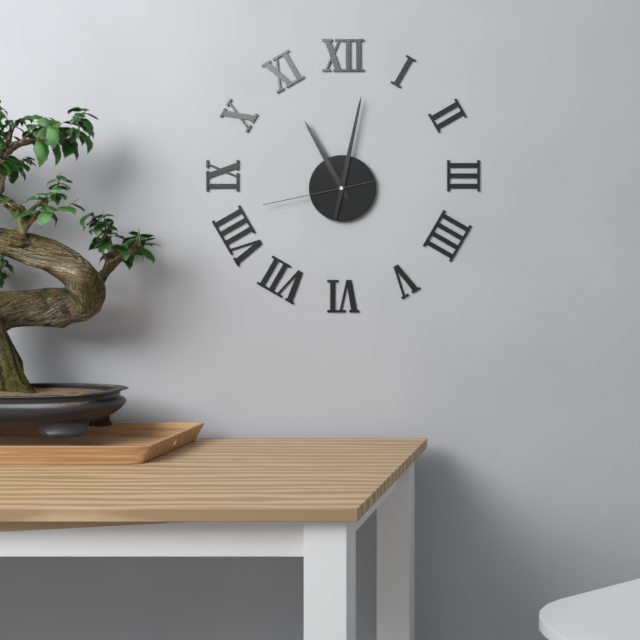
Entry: 11:02:43
